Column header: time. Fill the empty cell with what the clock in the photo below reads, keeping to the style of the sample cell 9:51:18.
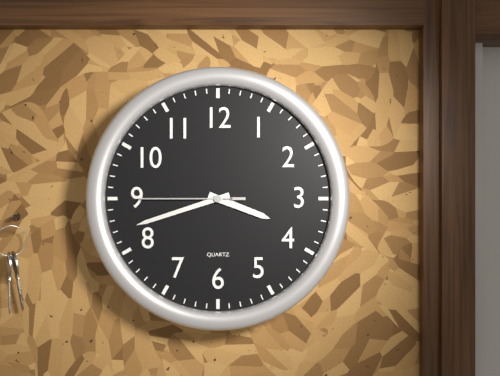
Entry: 3:42:45
